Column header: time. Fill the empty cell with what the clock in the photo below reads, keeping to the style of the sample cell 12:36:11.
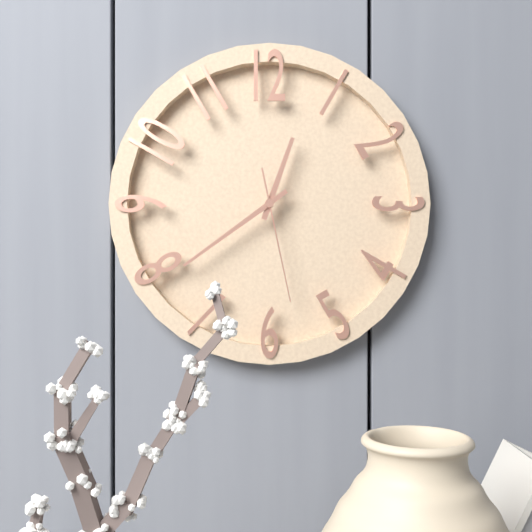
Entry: 12:39:28
